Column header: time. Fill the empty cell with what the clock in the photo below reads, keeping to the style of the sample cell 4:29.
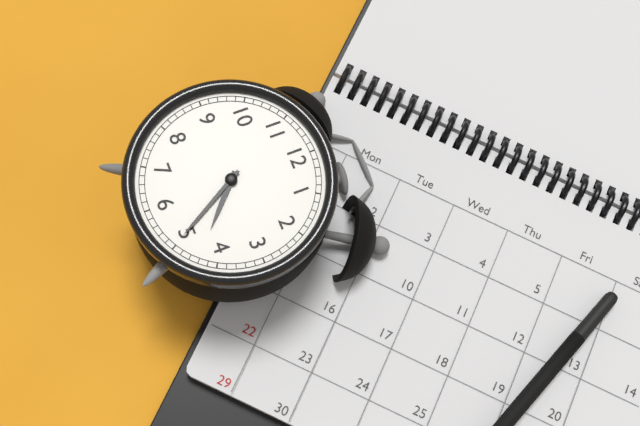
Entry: 4:25
